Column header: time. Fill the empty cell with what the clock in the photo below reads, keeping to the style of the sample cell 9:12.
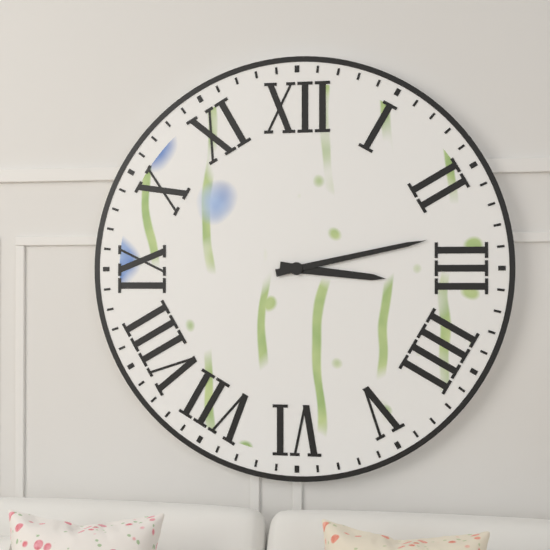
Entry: 3:13
